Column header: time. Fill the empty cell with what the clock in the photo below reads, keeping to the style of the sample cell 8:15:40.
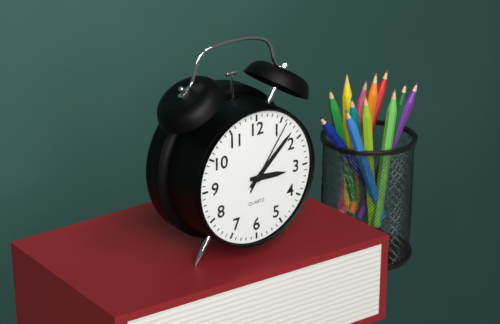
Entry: 3:08:06
